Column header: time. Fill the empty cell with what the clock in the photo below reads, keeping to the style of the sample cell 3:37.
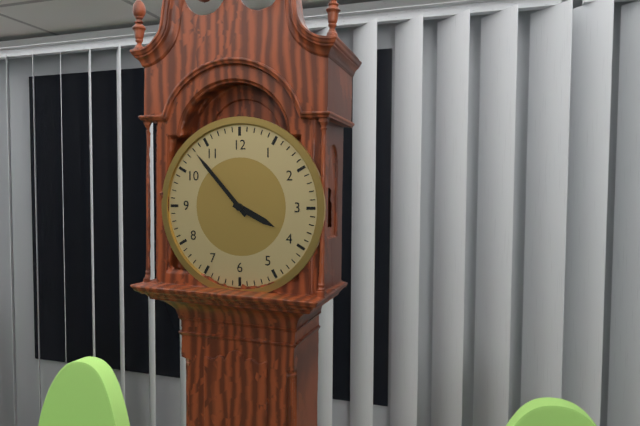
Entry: 3:53
